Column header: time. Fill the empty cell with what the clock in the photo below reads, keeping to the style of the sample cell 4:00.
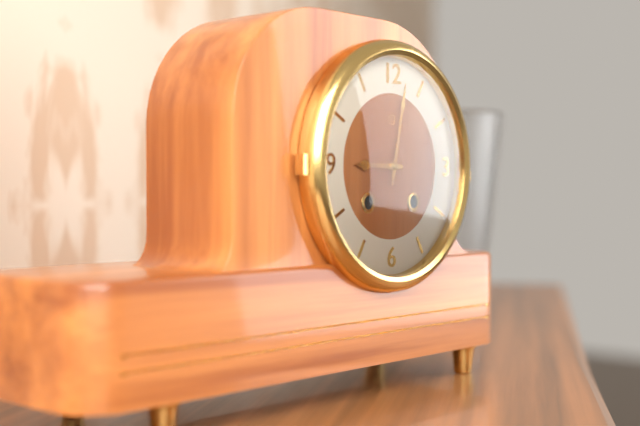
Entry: 9:02
